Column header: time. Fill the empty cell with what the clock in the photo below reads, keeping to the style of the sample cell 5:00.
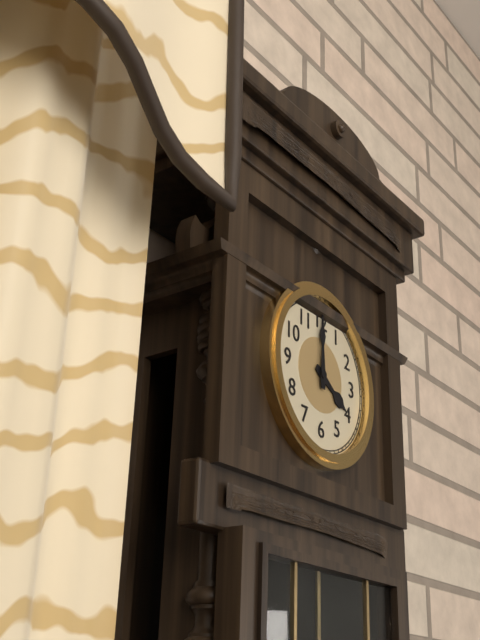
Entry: 4:00
